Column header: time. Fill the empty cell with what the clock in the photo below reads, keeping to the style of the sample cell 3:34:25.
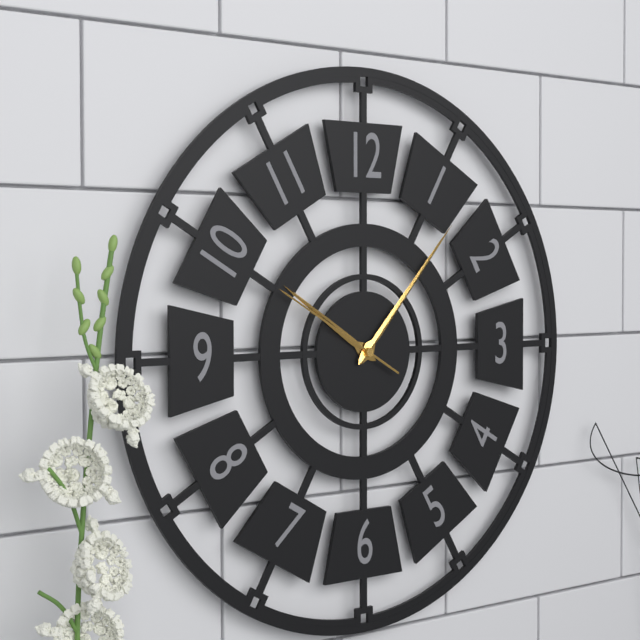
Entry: 10:07:50
